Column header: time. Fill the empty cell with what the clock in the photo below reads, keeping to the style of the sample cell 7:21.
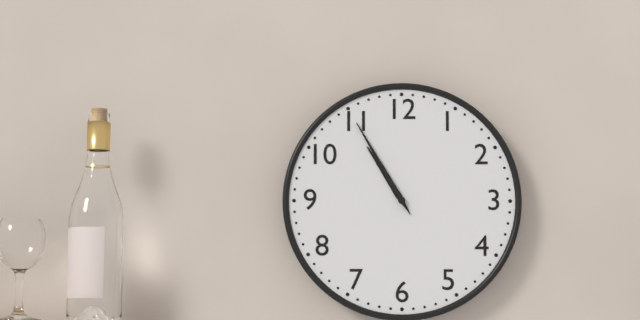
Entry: 10:55
